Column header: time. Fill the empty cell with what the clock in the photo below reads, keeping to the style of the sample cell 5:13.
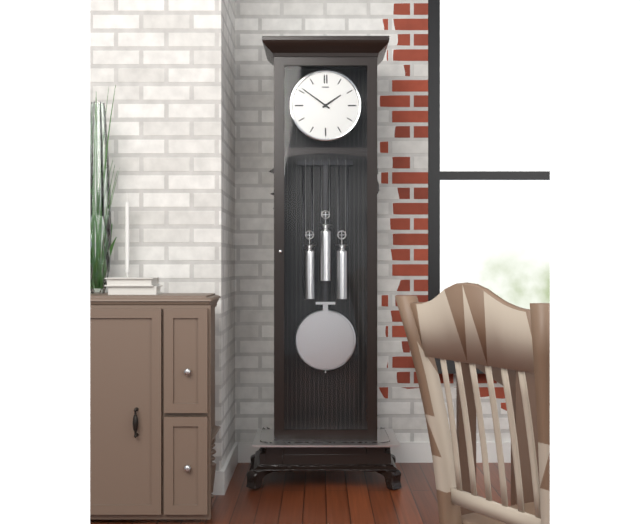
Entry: 1:51
